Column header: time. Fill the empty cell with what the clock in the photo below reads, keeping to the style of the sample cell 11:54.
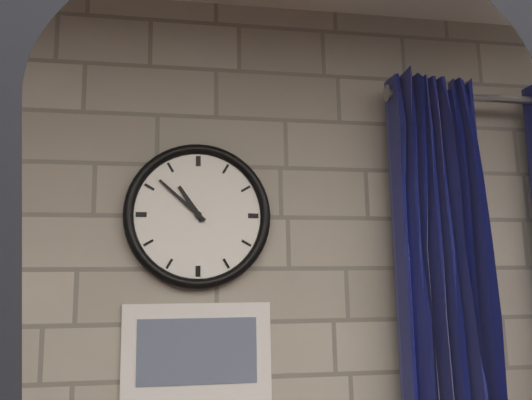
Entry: 10:52
